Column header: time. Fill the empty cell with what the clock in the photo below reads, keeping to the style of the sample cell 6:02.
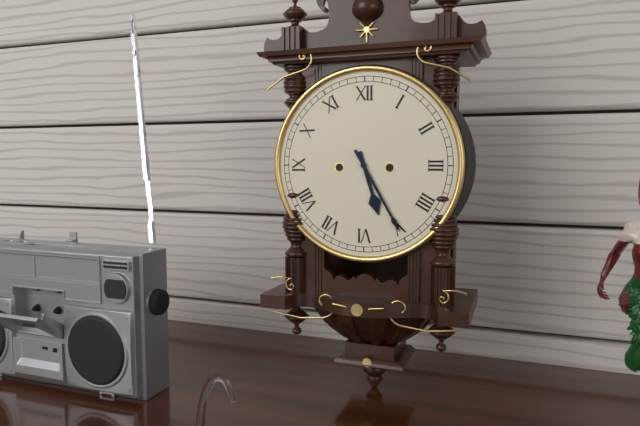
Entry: 5:25
